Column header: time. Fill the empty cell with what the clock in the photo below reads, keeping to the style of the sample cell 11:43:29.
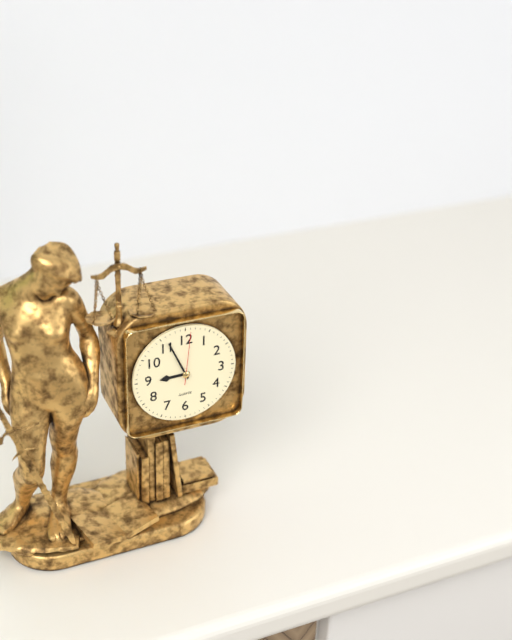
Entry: 8:56:01
